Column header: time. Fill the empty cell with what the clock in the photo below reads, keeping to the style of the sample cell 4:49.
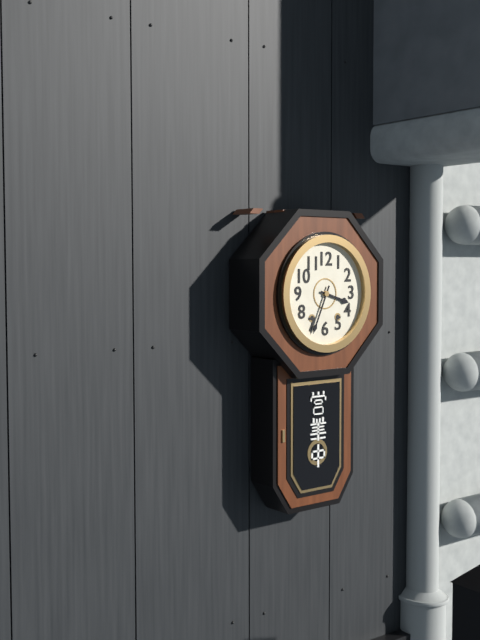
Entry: 3:34
